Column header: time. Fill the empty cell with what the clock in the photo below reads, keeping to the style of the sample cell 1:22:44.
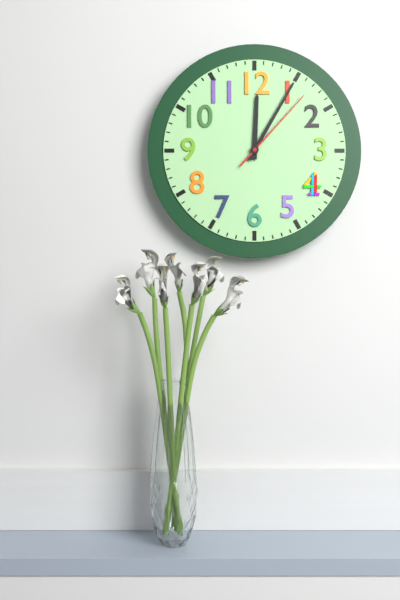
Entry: 12:05:07
